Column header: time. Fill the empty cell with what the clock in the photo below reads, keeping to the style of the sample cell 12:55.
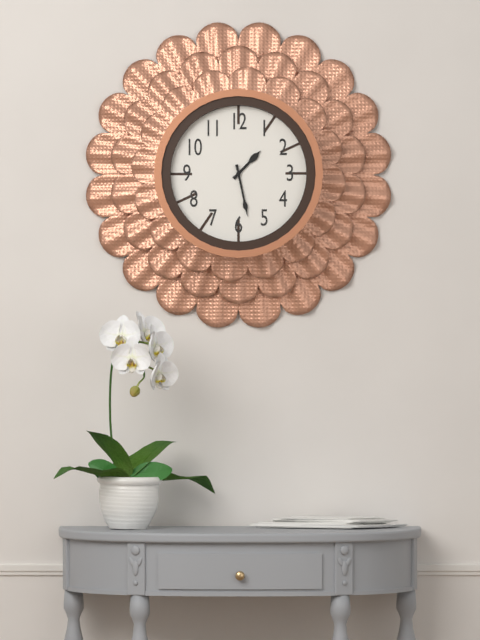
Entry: 1:28
